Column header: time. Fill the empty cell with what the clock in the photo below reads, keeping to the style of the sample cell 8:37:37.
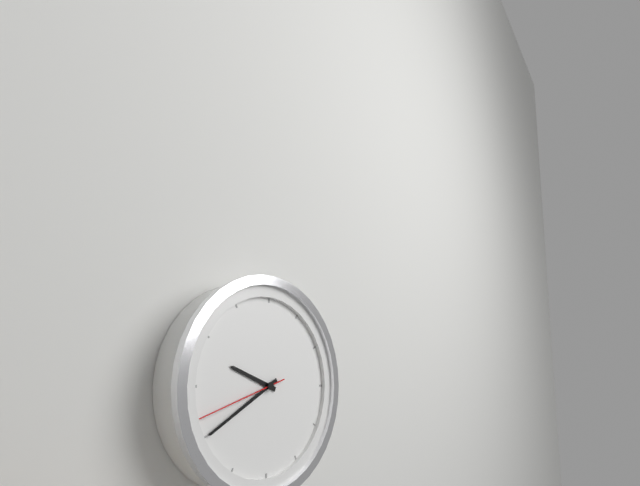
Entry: 9:40:42
